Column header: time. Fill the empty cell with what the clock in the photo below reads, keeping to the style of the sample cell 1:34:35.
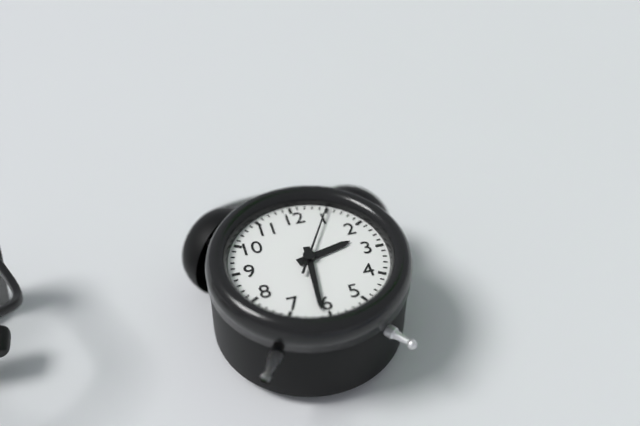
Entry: 2:31:05
